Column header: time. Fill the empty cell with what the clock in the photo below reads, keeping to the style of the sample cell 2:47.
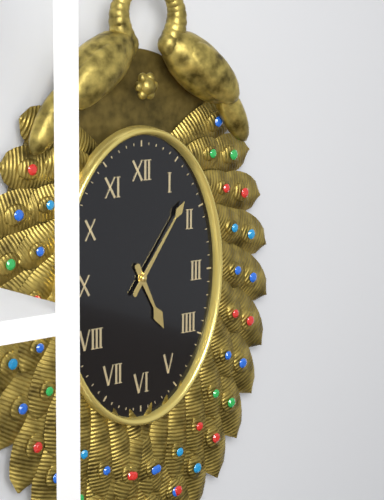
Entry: 5:06
